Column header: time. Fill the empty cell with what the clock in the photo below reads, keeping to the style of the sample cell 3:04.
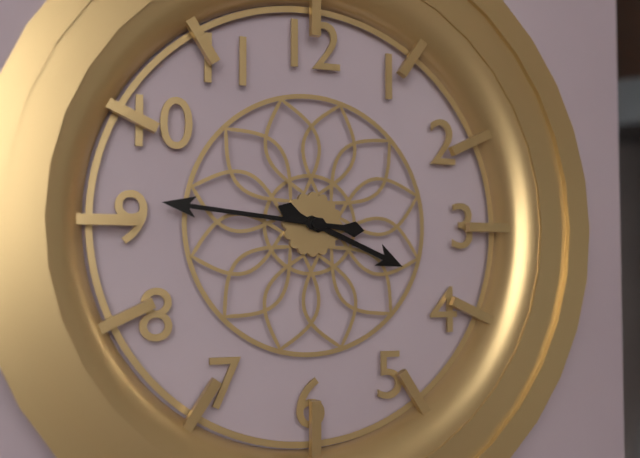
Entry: 3:46
